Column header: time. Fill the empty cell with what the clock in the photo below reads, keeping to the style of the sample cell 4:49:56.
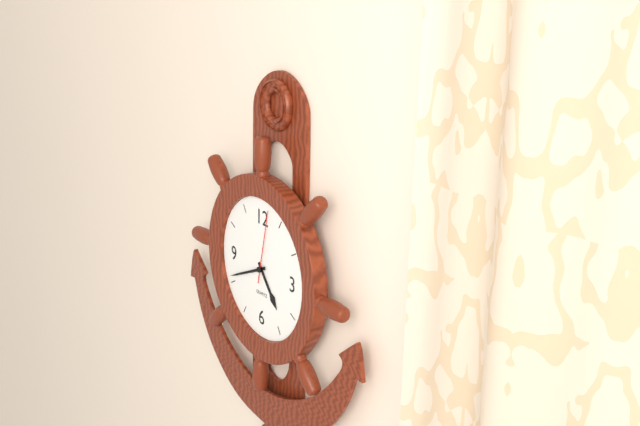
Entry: 4:41:02
